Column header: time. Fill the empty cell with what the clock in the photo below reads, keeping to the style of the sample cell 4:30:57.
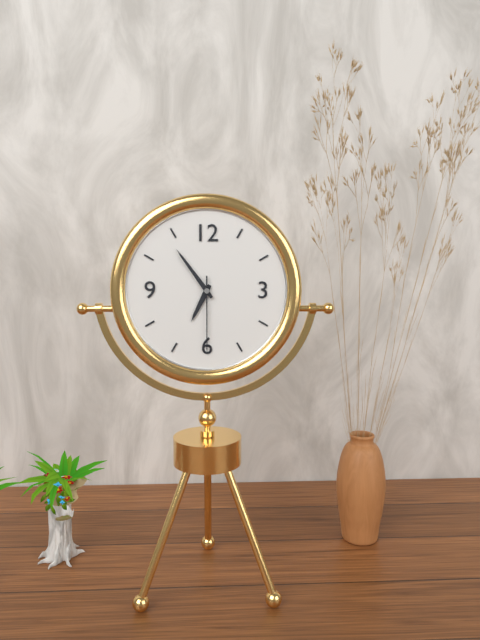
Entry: 6:54:30
